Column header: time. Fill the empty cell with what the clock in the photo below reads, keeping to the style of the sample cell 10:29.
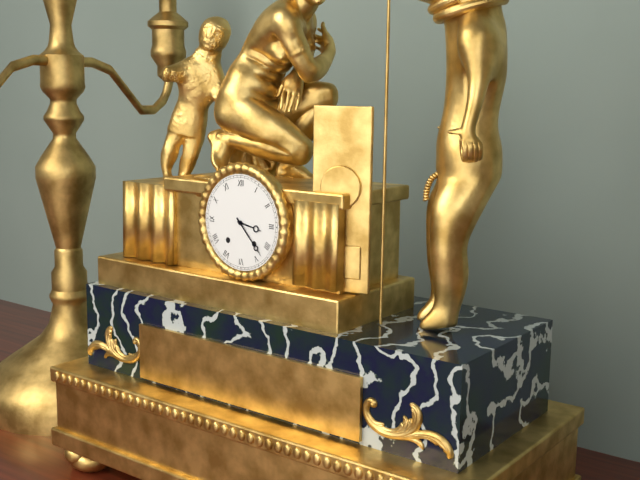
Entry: 3:23
